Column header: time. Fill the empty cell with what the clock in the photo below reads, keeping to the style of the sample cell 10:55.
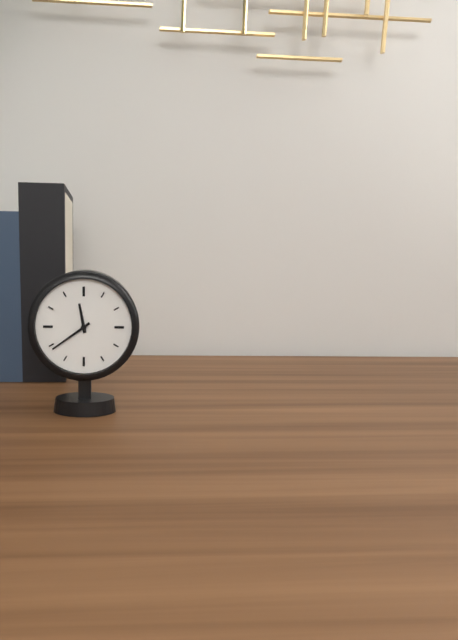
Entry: 11:39
